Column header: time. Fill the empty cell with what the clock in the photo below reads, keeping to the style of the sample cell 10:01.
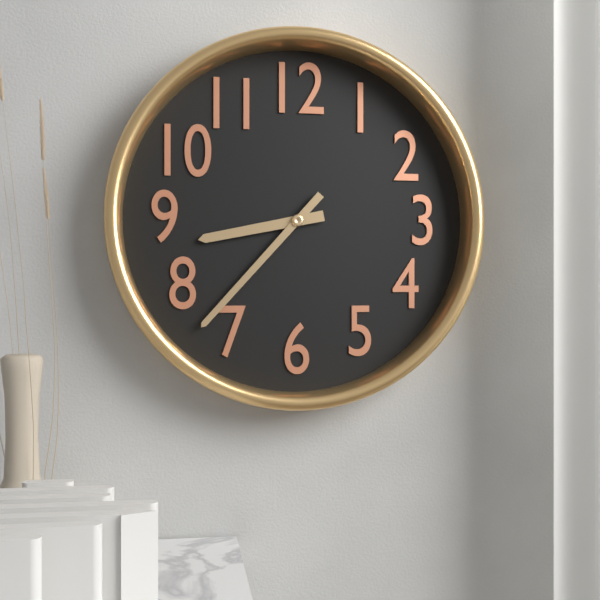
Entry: 8:37
